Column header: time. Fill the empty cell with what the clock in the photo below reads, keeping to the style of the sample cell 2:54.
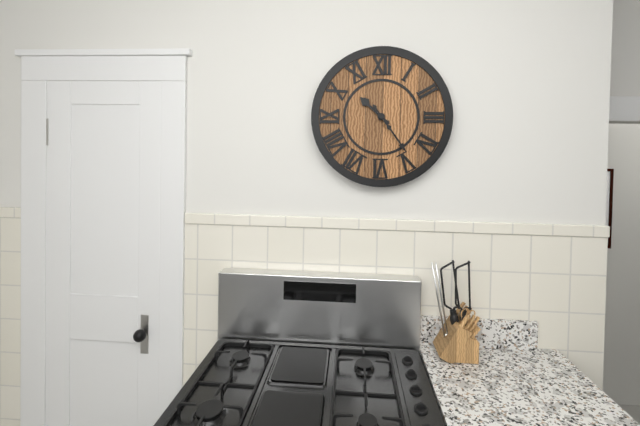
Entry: 10:24
